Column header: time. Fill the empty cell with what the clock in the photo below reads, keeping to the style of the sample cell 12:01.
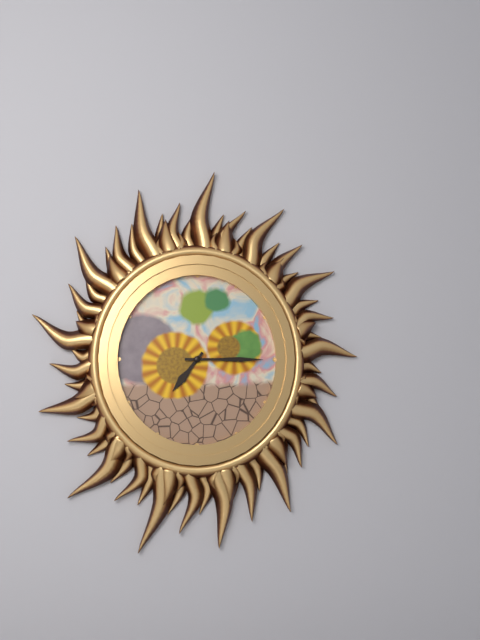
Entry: 7:15
